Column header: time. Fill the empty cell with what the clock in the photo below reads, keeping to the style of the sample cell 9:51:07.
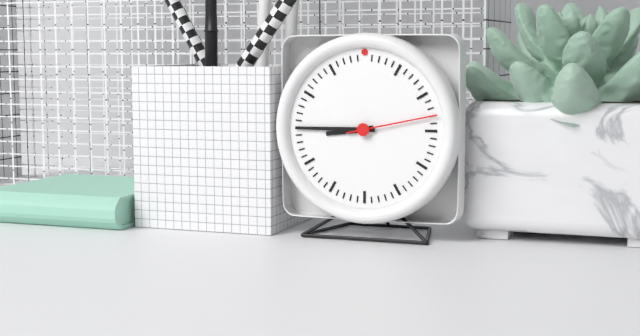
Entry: 8:45:13
